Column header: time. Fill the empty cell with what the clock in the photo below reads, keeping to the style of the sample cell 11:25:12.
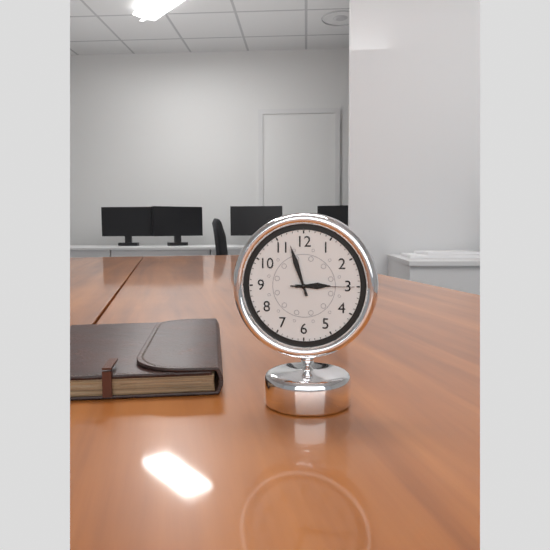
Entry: 2:57:15
